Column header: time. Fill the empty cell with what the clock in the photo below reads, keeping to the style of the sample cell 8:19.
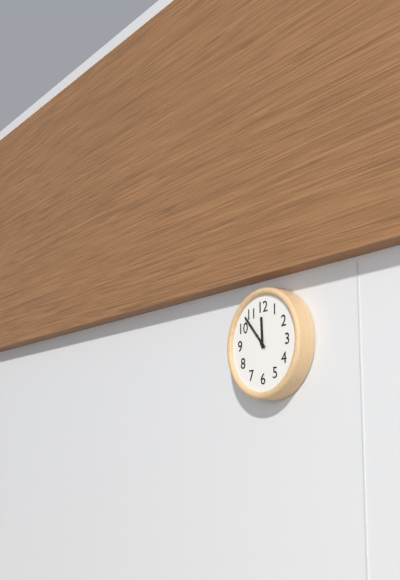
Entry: 11:53
